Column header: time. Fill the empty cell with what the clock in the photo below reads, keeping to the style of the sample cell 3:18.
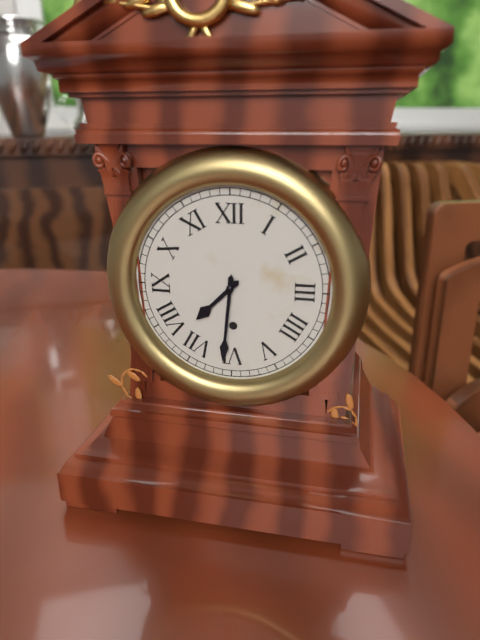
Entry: 7:31
